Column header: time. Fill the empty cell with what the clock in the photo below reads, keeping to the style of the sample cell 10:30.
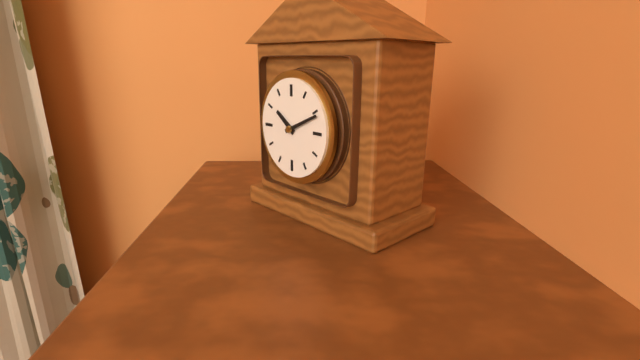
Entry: 10:11
